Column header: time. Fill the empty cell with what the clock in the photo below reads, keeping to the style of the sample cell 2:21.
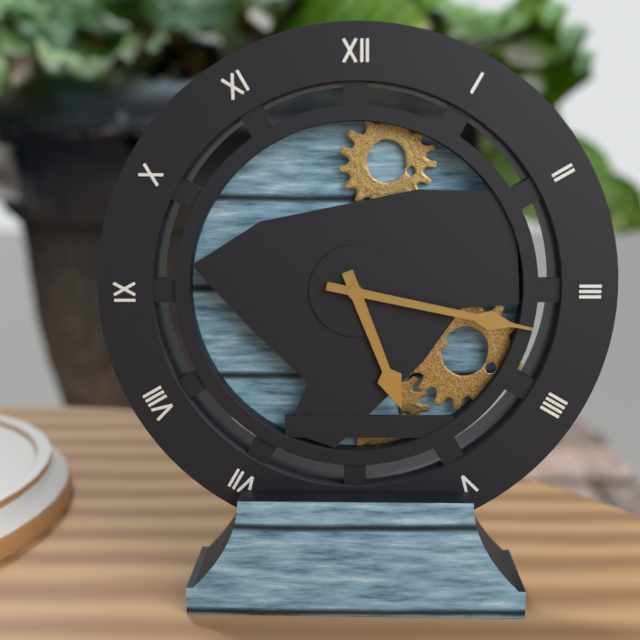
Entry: 5:17
